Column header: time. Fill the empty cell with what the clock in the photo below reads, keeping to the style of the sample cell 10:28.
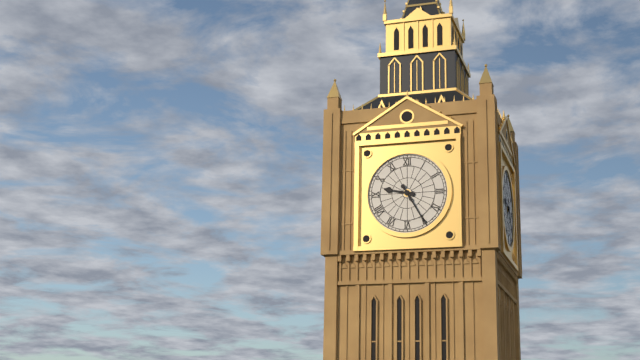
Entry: 9:25
